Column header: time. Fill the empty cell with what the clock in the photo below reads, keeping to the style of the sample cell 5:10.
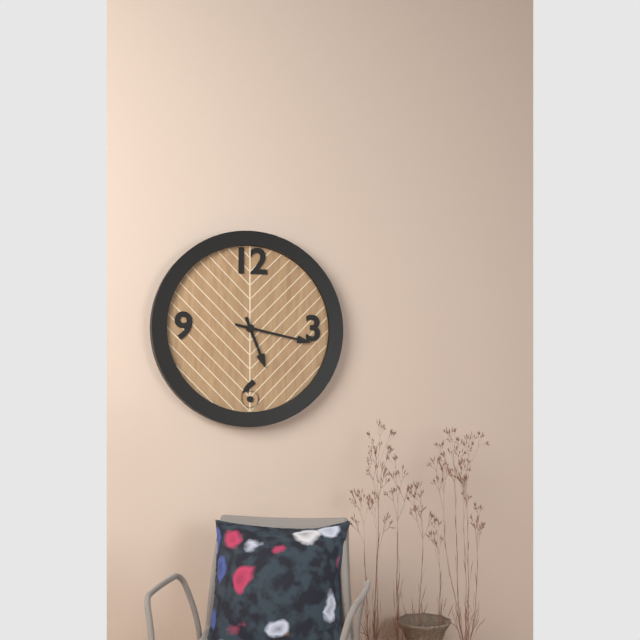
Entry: 5:17
